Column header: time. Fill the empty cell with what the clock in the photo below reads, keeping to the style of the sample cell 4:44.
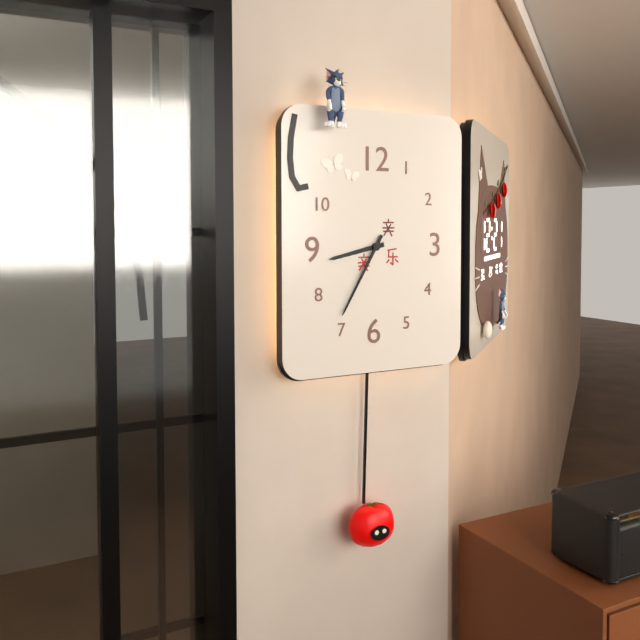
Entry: 8:35
